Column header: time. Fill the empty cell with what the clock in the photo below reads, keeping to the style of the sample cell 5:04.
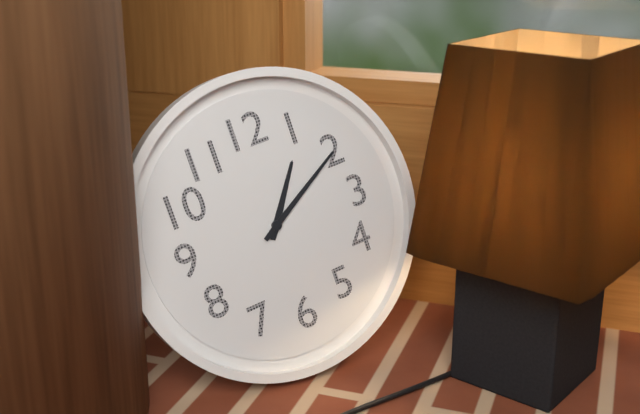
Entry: 1:10
